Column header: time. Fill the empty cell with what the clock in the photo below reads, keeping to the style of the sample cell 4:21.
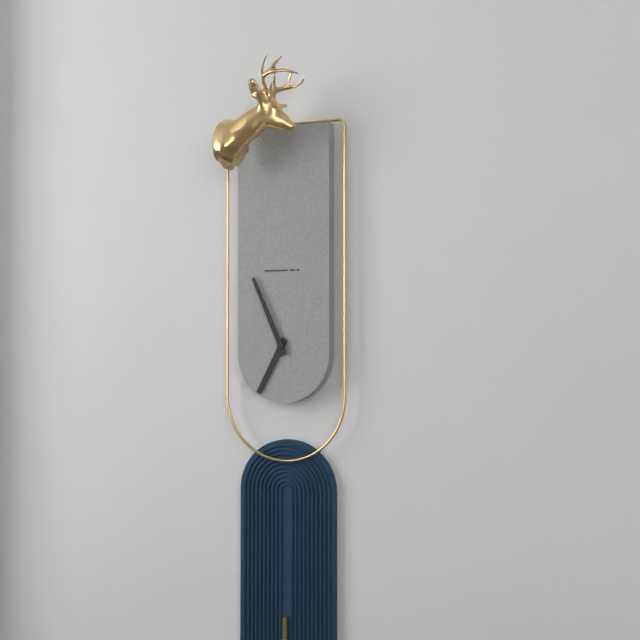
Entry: 6:56
